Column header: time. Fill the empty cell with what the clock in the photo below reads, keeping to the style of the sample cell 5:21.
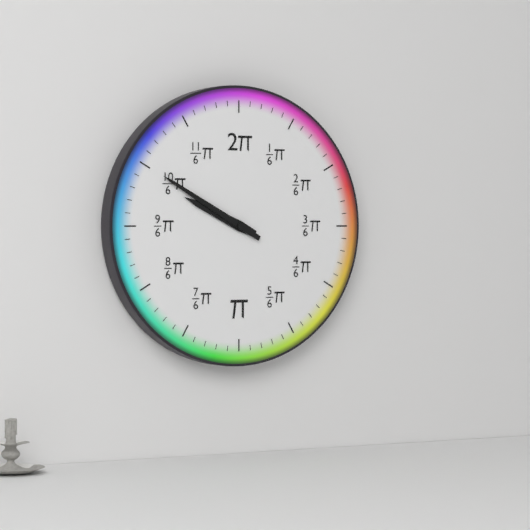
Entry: 9:50
